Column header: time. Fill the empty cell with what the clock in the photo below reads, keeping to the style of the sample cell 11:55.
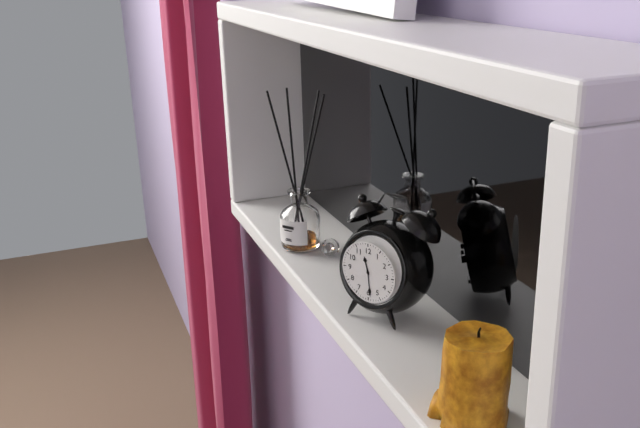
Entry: 11:29
